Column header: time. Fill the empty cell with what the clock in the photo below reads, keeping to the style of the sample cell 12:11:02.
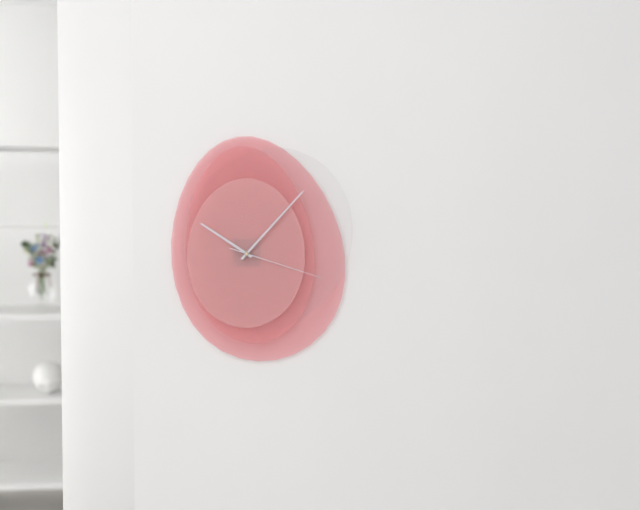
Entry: 10:07:18
